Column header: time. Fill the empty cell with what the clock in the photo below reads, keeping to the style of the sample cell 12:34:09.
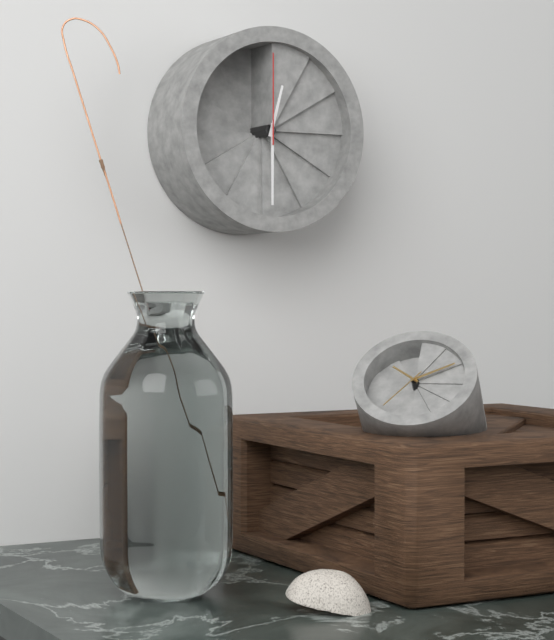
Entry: 12:30:00
